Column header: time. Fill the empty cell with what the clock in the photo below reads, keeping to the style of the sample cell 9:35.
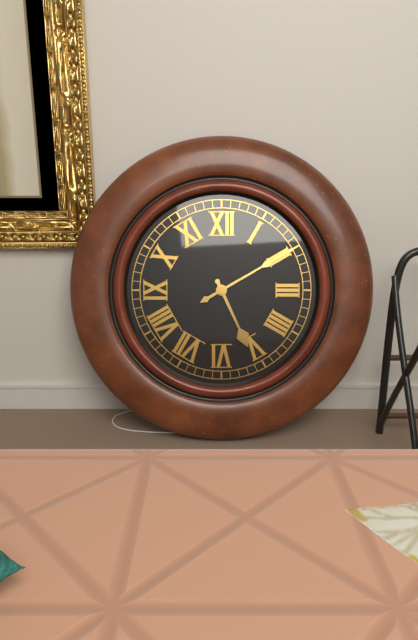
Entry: 5:10
